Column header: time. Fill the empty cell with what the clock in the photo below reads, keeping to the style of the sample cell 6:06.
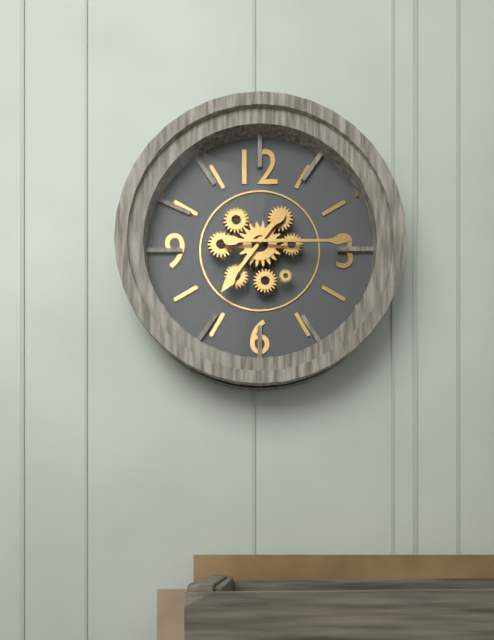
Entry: 7:15
